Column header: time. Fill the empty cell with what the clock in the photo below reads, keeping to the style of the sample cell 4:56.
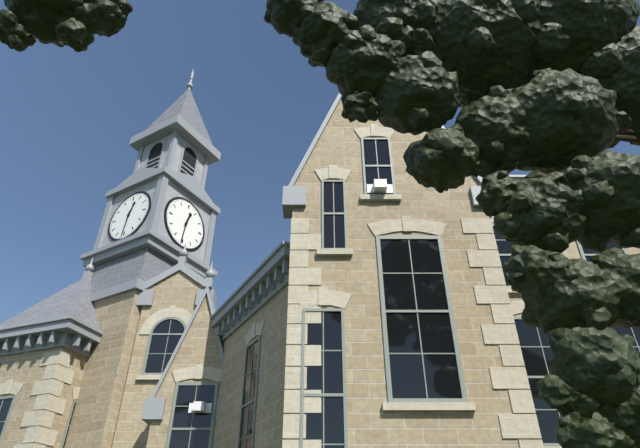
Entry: 12:31
